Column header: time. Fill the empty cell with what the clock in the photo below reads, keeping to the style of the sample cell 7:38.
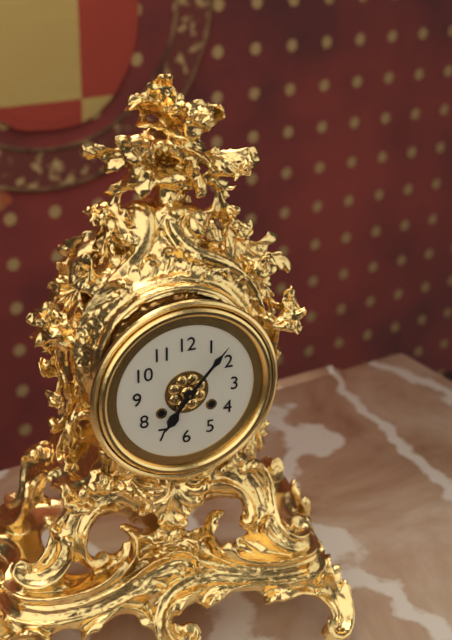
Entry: 7:07
